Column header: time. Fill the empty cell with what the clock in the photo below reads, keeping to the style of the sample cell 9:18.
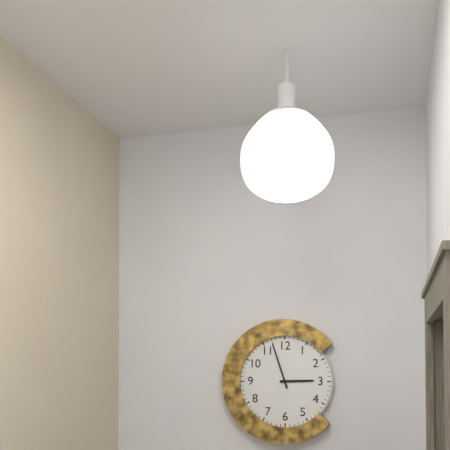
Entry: 2:57
